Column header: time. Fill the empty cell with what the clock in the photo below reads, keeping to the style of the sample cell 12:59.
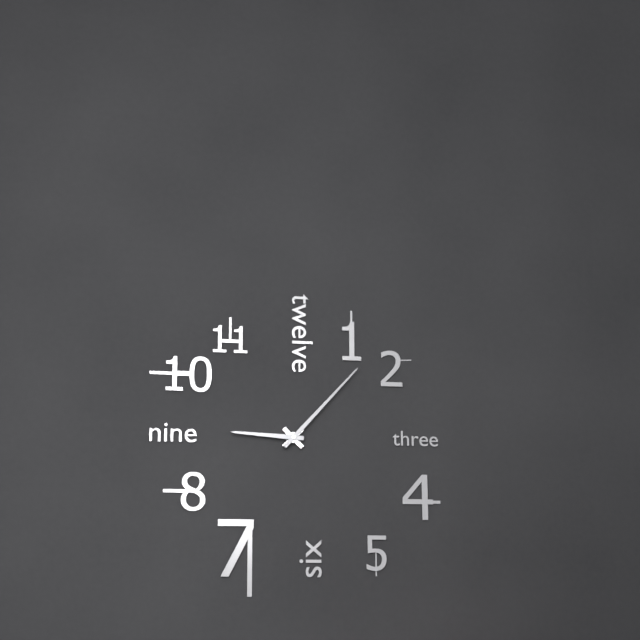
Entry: 9:07
